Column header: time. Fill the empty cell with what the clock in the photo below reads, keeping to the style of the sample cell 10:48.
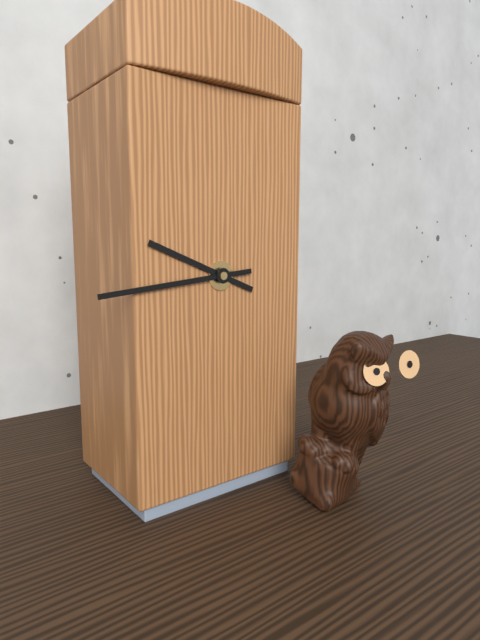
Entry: 9:44
